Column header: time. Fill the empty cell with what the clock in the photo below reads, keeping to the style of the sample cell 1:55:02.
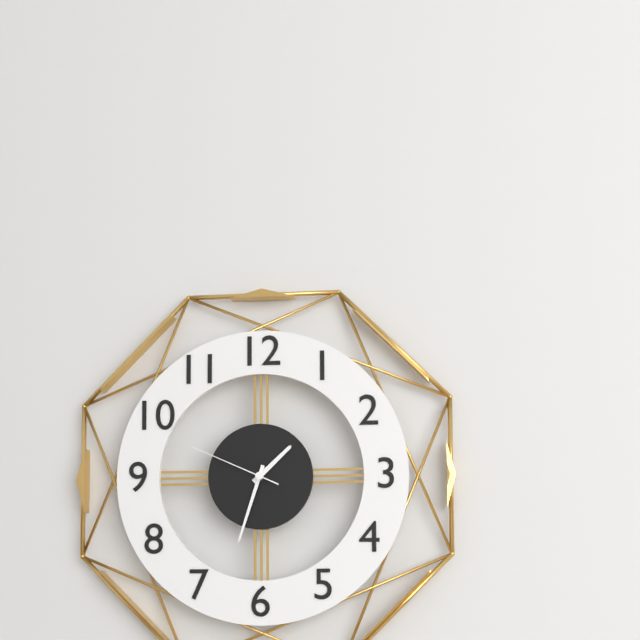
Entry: 1:33:49
